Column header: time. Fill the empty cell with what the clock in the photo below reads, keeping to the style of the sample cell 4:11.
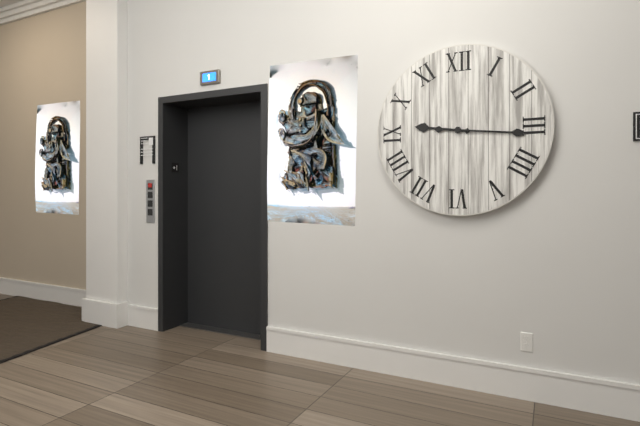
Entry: 9:16
